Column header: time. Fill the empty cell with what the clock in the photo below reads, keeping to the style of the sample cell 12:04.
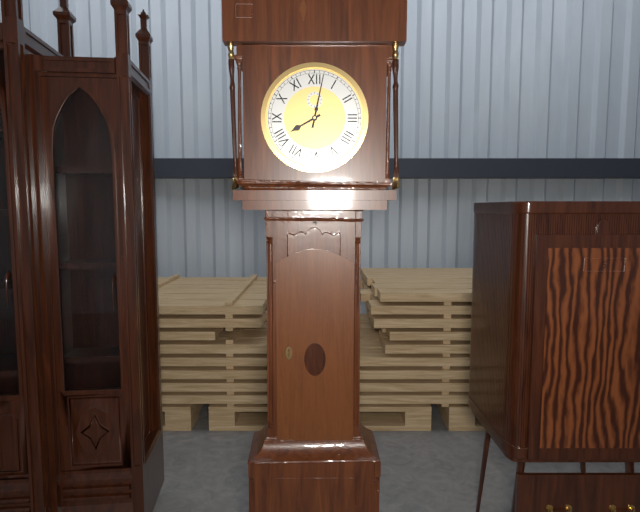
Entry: 8:02
